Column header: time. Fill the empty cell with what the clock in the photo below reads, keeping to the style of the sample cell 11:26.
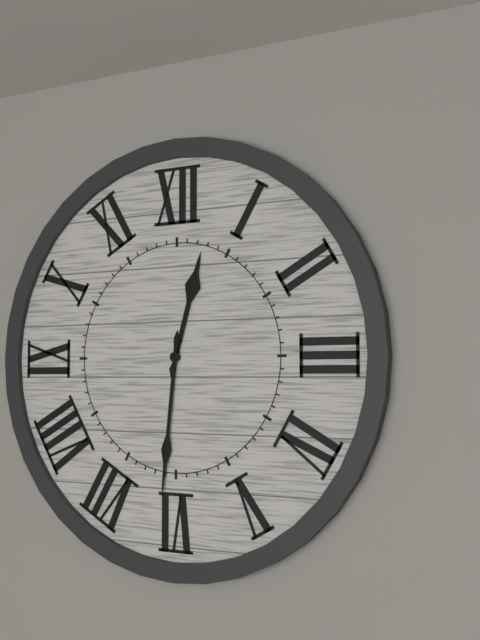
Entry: 12:31
